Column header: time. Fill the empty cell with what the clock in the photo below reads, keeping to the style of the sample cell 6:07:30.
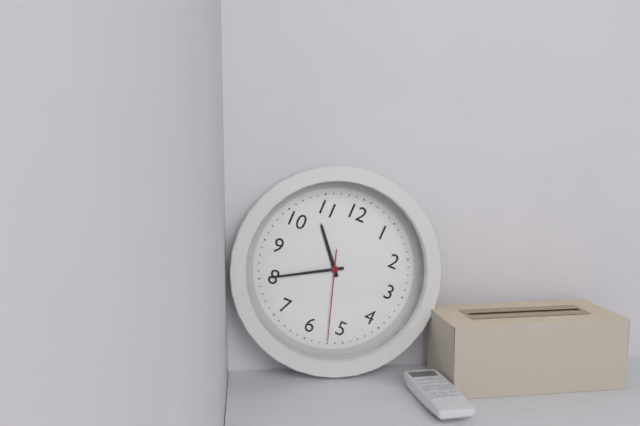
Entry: 10:40:27
